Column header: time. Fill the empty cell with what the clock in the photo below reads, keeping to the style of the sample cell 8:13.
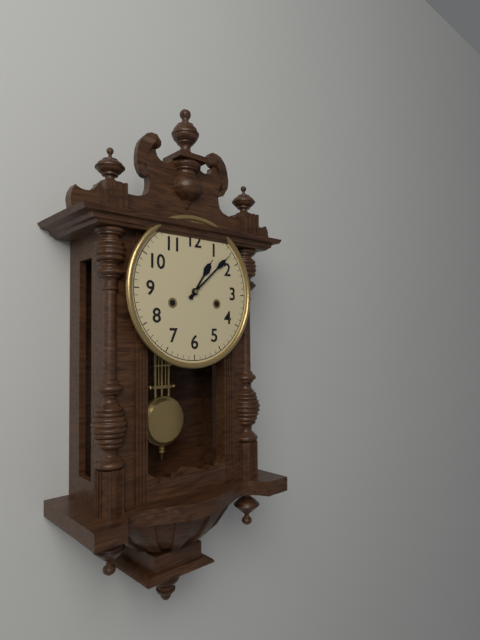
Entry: 1:08
